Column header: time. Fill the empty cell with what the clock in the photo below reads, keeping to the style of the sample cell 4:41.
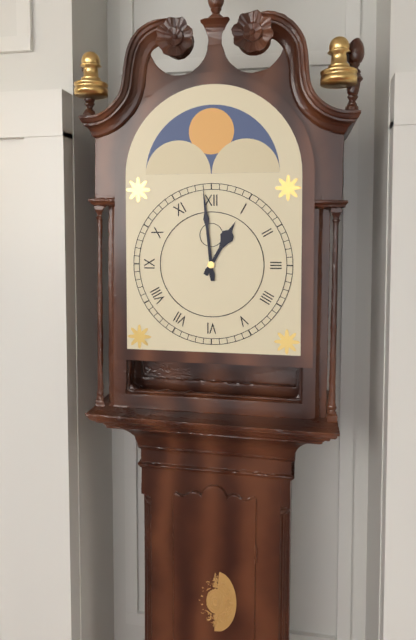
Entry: 12:59
